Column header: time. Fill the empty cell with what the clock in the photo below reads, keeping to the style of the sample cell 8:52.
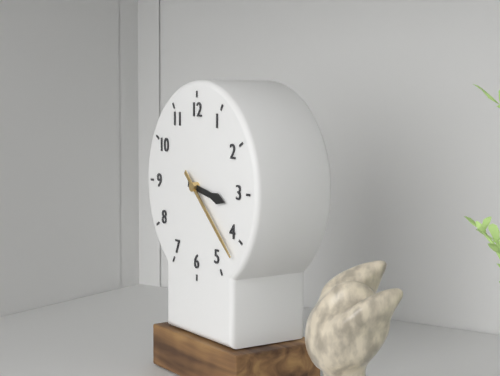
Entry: 3:22
